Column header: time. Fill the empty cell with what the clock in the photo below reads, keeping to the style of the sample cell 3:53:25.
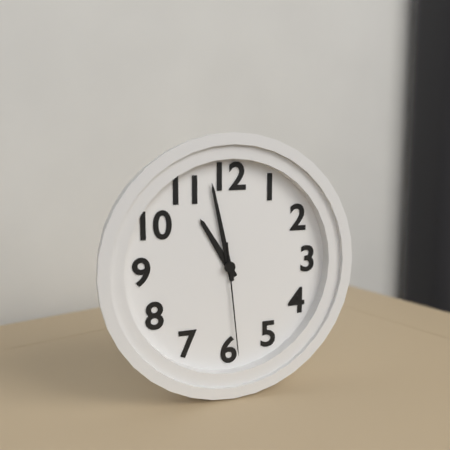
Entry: 10:58:29
